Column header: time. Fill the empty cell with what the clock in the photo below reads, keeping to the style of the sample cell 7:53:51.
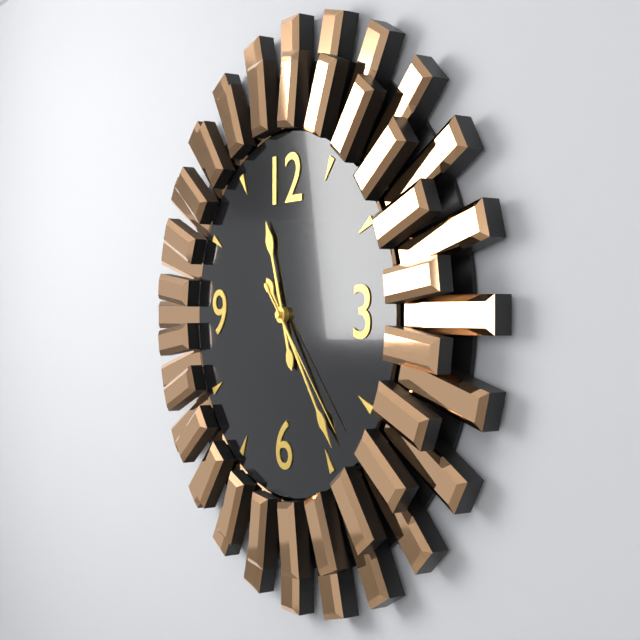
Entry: 11:24:23
